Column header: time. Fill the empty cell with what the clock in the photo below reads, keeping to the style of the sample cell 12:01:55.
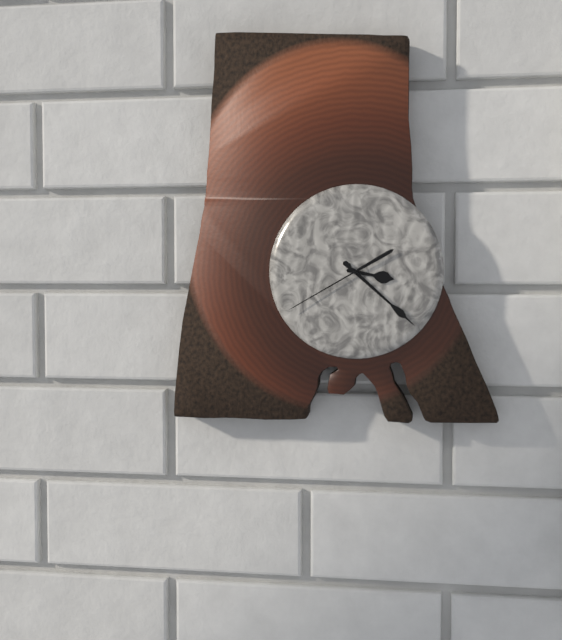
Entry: 3:22:40
